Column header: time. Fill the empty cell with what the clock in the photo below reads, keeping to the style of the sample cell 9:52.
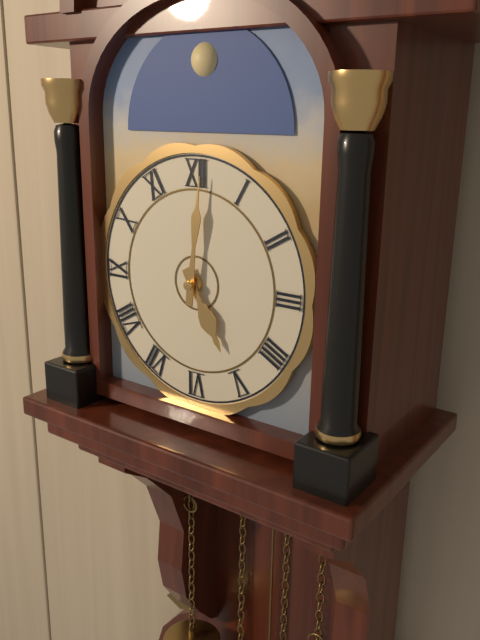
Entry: 5:01
